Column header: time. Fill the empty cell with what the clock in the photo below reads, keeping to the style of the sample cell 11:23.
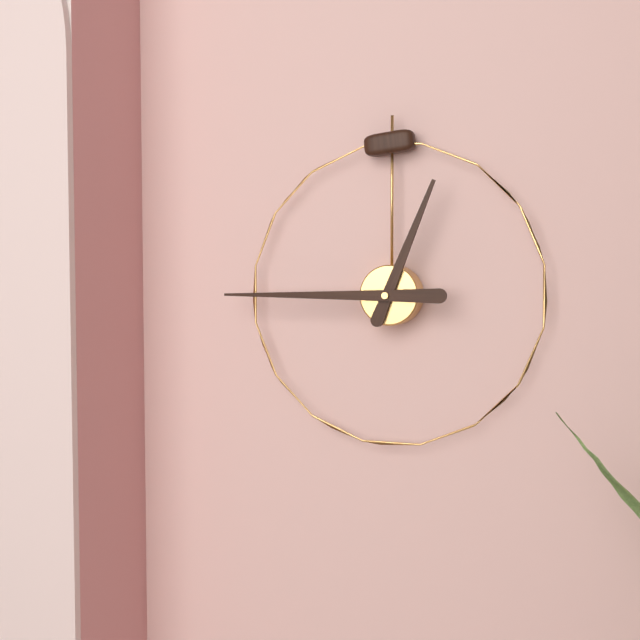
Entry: 12:45
